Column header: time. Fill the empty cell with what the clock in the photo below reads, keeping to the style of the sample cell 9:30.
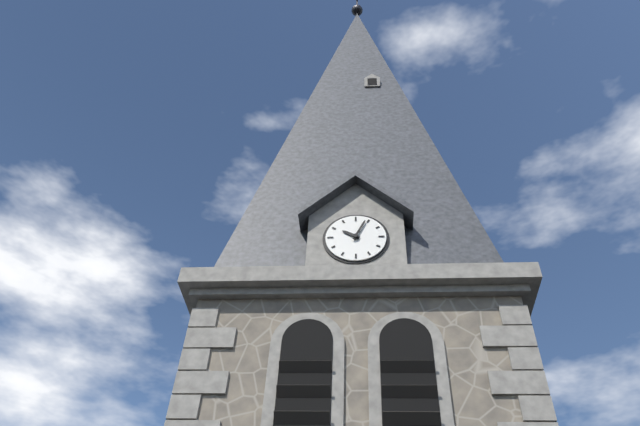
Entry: 10:04
